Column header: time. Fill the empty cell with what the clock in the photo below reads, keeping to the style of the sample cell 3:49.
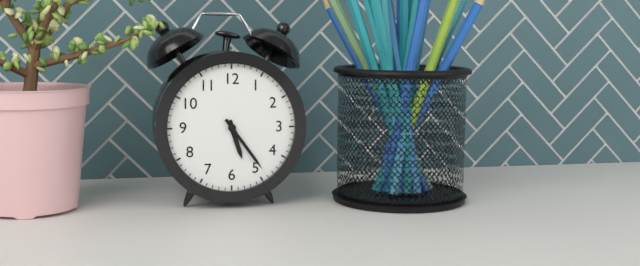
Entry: 5:24
